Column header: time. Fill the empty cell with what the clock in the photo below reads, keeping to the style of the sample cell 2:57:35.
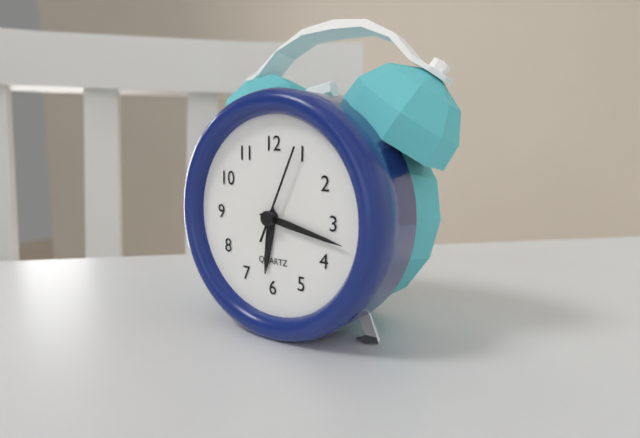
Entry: 6:17:04
